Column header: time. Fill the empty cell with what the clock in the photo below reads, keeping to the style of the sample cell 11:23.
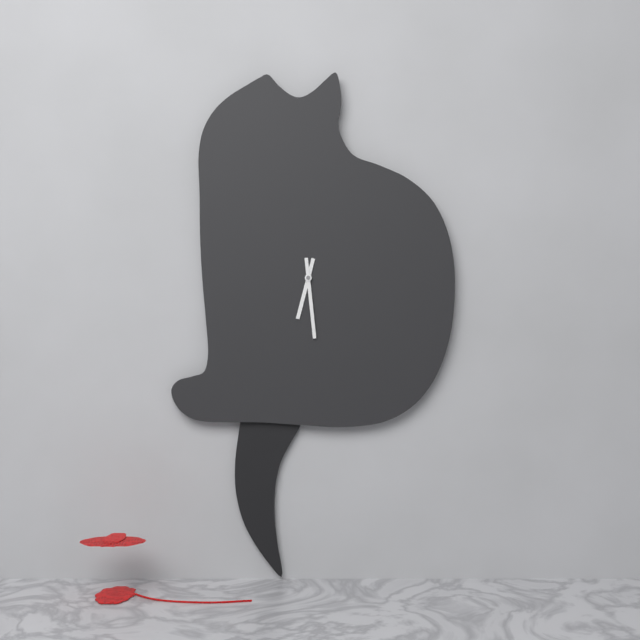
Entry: 6:29
